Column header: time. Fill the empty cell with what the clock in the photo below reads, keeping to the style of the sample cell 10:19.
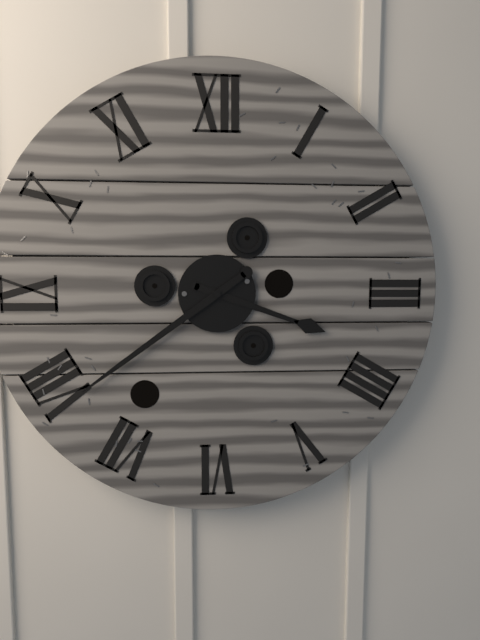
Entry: 3:39
